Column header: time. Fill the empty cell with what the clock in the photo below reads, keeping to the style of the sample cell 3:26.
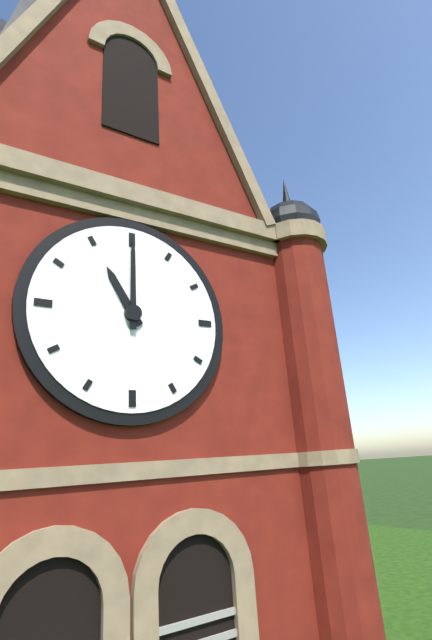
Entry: 11:00
